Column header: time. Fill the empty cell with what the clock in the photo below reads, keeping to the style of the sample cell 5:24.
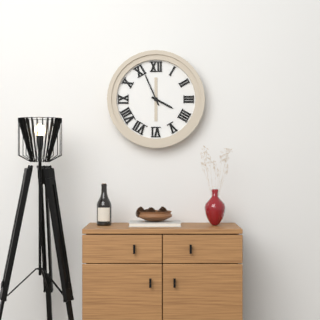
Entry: 3:56
